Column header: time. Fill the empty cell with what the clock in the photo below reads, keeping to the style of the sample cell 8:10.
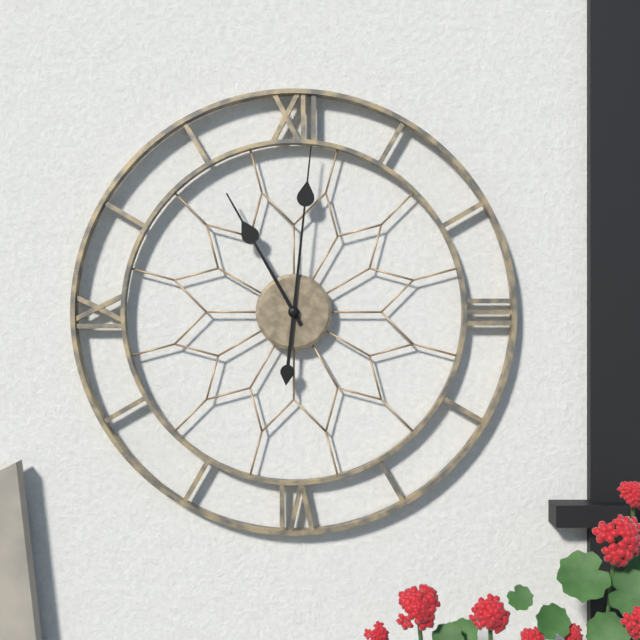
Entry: 11:01
